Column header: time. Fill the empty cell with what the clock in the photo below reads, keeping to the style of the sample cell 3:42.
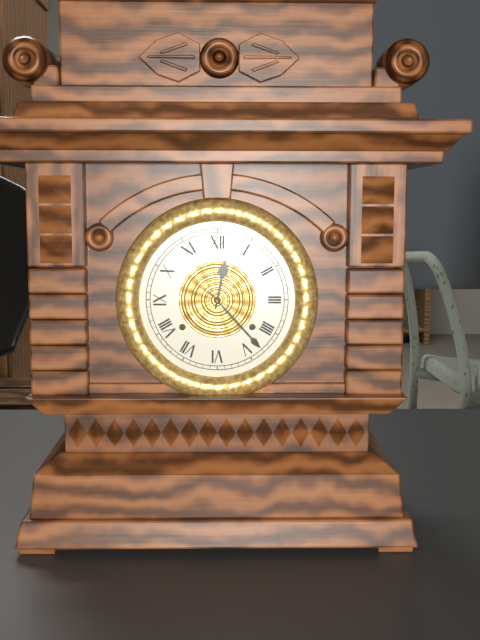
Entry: 12:23
